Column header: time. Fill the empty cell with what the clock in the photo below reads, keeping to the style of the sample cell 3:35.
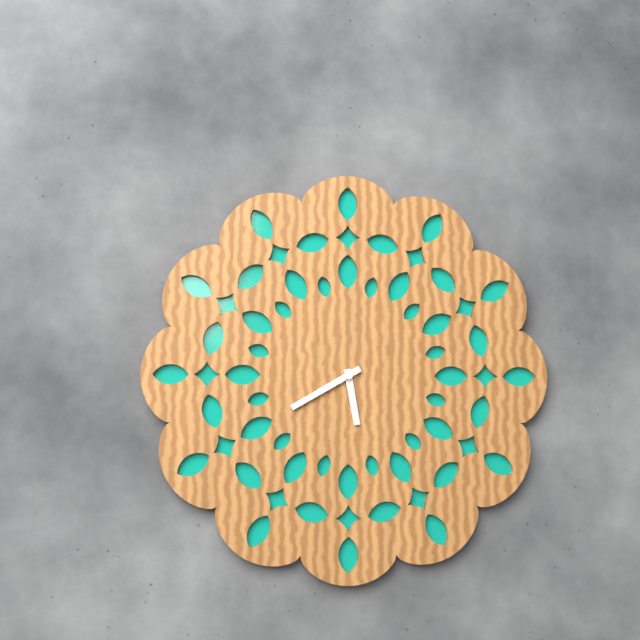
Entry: 5:40
